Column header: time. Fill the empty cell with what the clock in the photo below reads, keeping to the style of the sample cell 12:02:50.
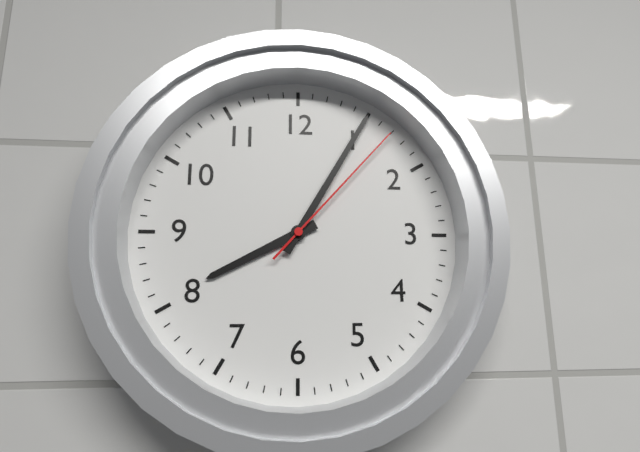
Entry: 8:05:07
